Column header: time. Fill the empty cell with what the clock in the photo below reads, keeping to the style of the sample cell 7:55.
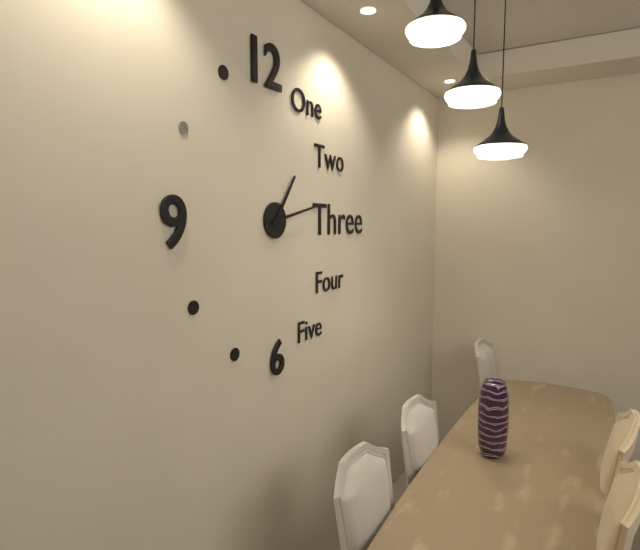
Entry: 1:13
